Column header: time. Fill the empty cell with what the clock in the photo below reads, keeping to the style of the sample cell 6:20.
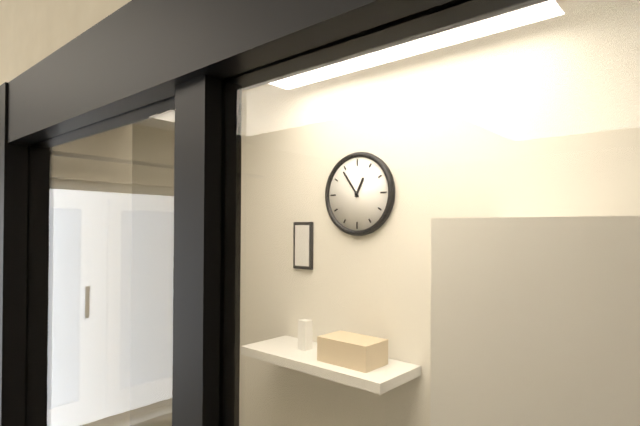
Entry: 12:54
